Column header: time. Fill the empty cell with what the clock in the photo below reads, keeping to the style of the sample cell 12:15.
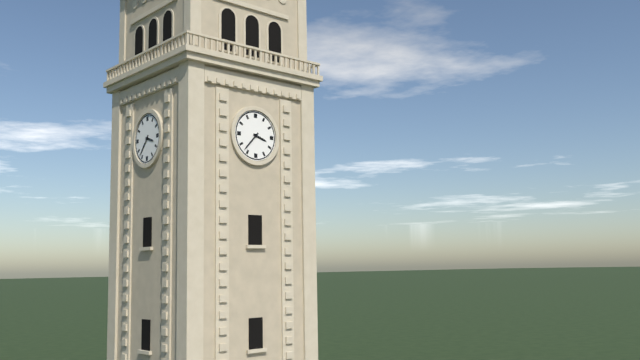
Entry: 3:37
